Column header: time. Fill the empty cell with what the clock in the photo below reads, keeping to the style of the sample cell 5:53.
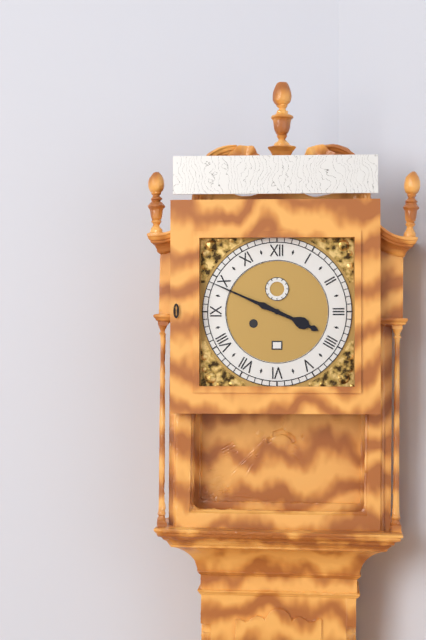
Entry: 3:49
